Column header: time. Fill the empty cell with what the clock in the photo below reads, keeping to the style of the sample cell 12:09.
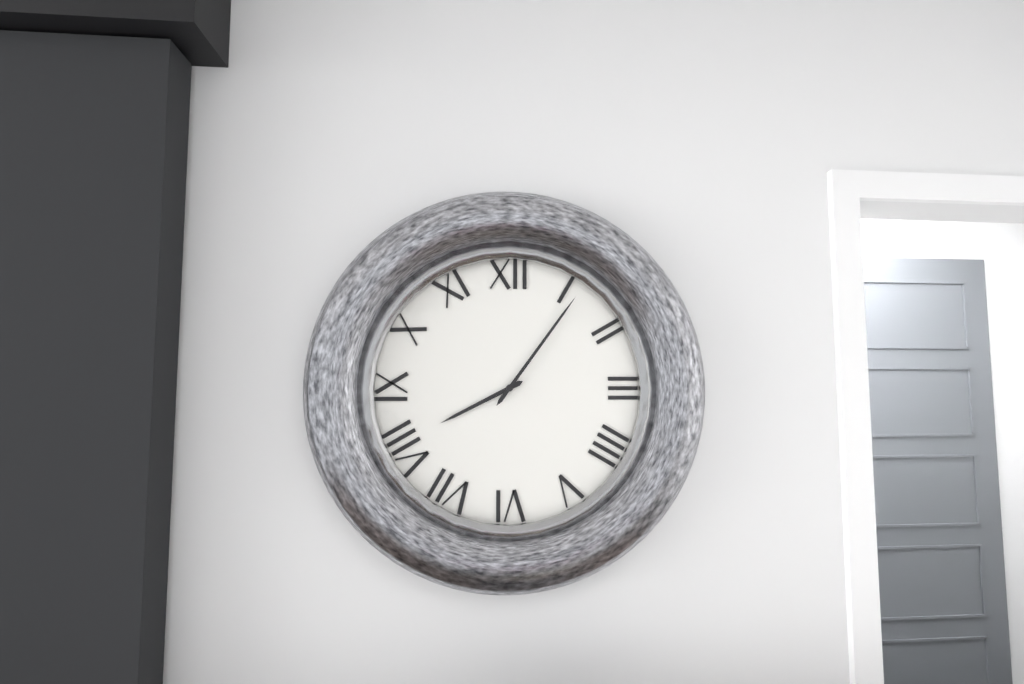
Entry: 8:06
